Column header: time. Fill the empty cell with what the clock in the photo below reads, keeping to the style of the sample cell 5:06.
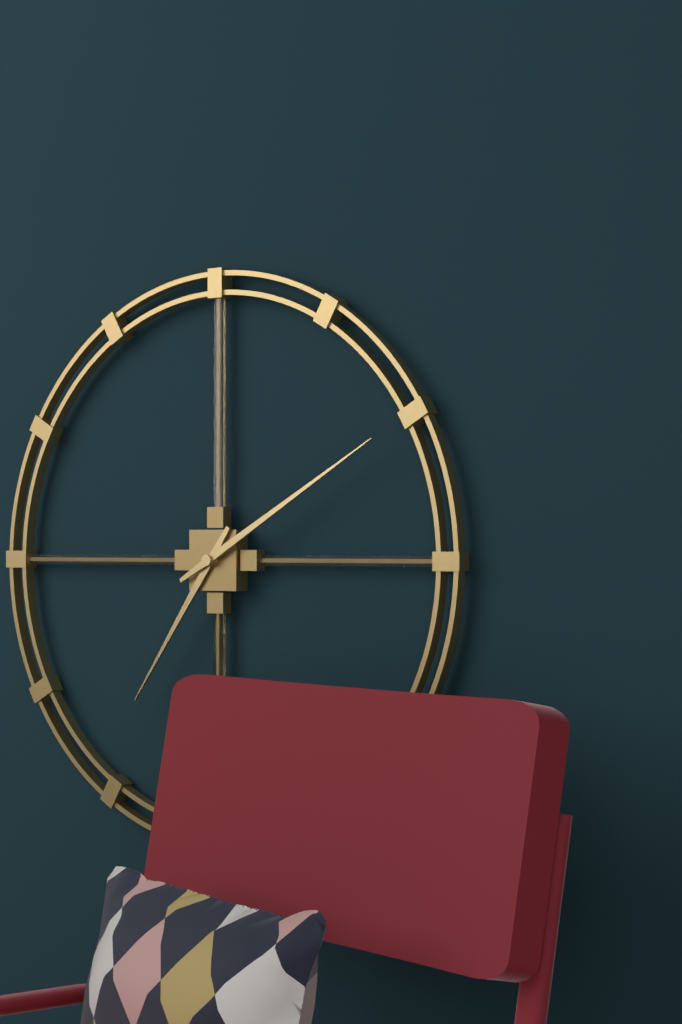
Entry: 7:10
